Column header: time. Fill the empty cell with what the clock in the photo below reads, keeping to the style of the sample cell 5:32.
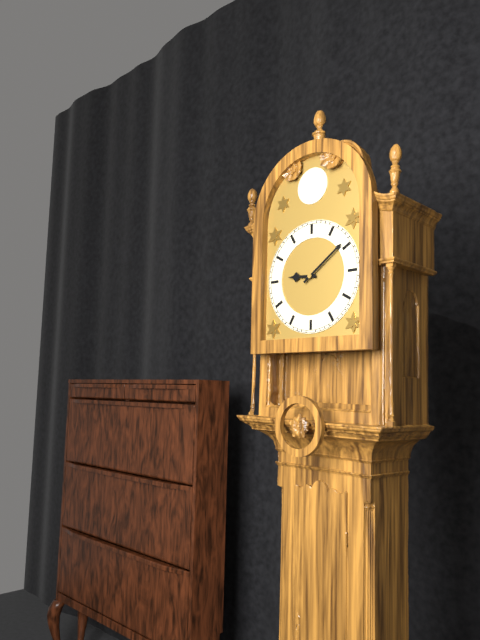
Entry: 9:09
